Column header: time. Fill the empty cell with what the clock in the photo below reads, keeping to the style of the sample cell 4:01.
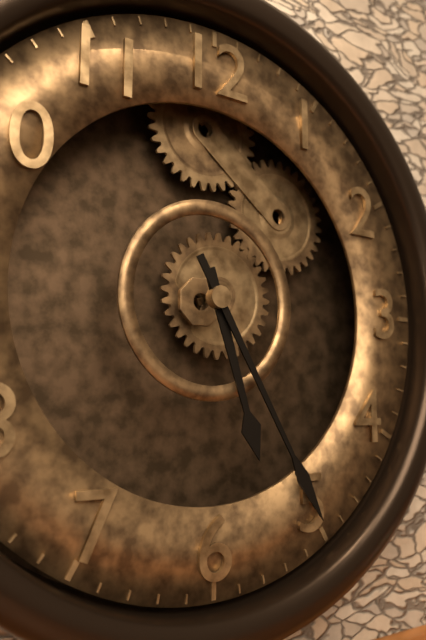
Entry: 5:25
